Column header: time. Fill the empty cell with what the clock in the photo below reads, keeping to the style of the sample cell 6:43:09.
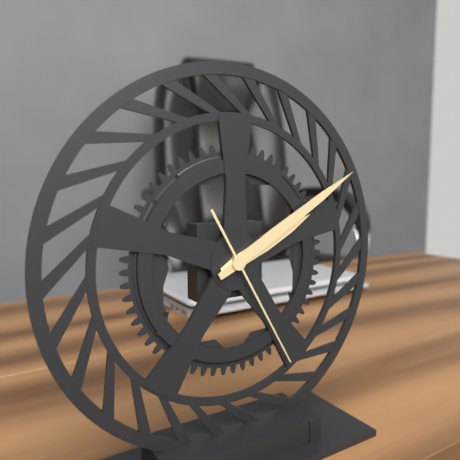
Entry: 2:10:25
